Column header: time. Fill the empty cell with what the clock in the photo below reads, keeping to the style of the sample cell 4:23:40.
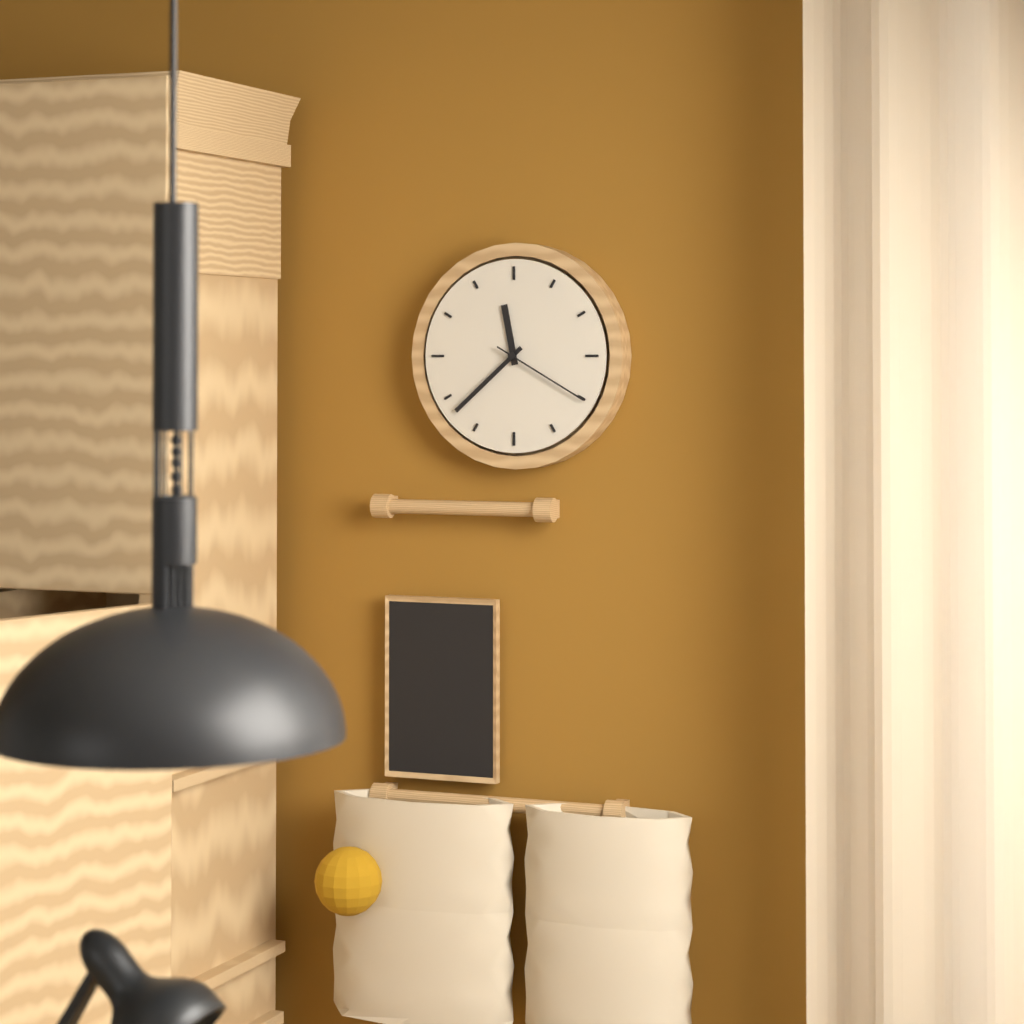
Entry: 11:38:20
